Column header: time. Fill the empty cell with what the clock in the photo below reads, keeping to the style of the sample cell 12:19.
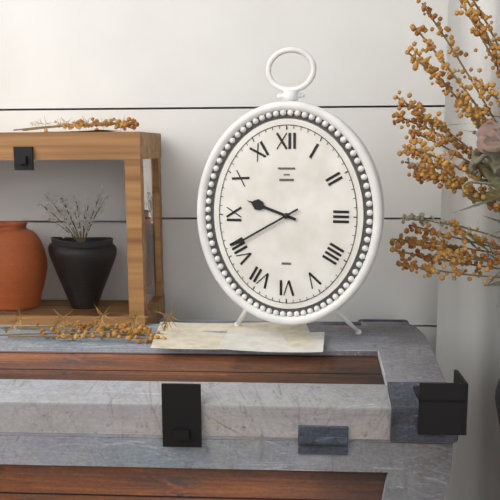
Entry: 9:40
